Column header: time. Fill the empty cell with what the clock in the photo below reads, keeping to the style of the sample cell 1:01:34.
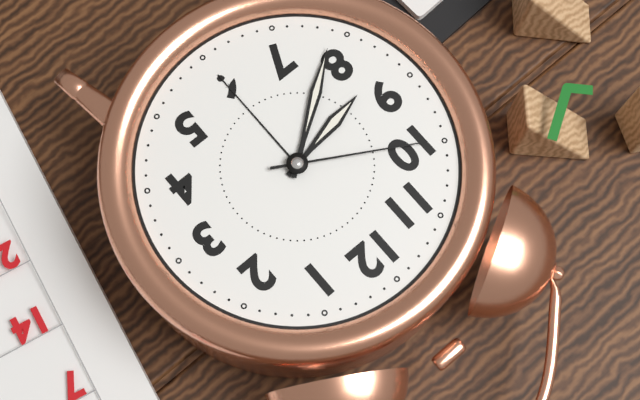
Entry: 8:39:50
